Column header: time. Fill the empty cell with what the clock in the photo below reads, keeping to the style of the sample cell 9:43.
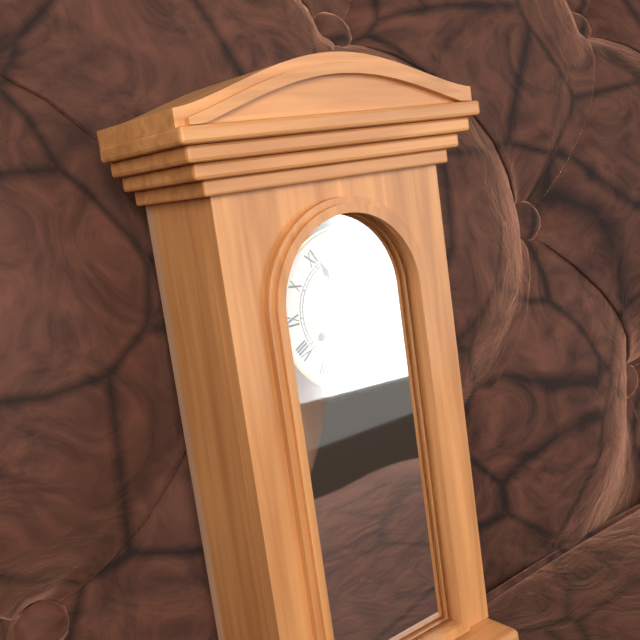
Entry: 5:56
